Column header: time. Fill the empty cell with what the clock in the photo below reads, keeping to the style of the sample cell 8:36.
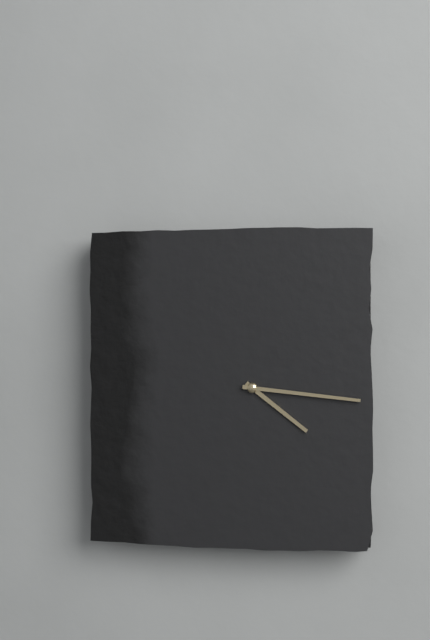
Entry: 4:16
